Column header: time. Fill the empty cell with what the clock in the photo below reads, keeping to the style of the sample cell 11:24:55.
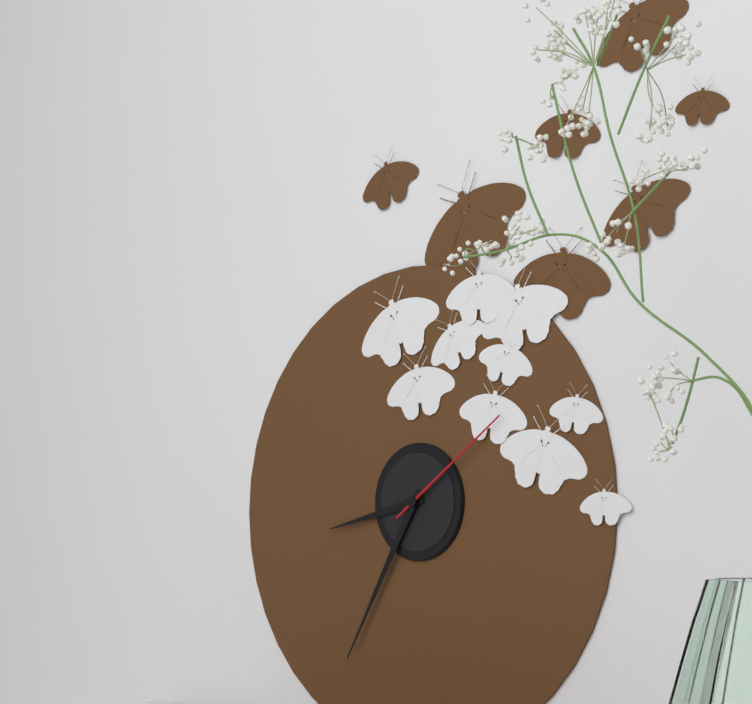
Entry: 8:35:09
